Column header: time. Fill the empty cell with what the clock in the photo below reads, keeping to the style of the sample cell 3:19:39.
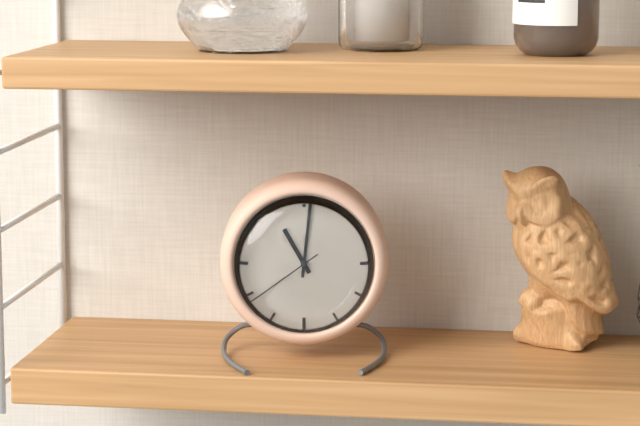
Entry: 11:01:39
